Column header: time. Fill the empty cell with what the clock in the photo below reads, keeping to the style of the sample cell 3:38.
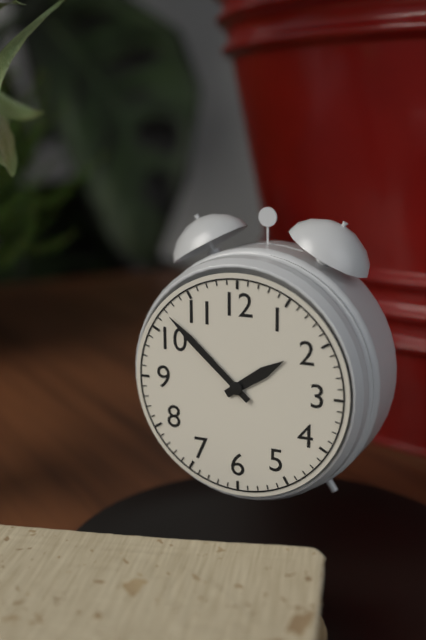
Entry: 1:52
